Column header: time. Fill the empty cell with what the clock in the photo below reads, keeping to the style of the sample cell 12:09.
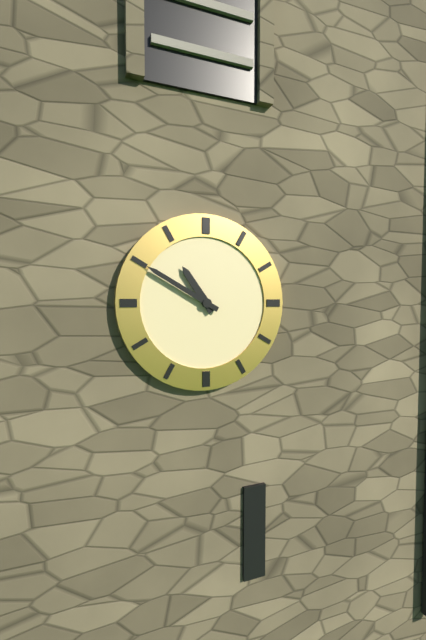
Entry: 10:50
